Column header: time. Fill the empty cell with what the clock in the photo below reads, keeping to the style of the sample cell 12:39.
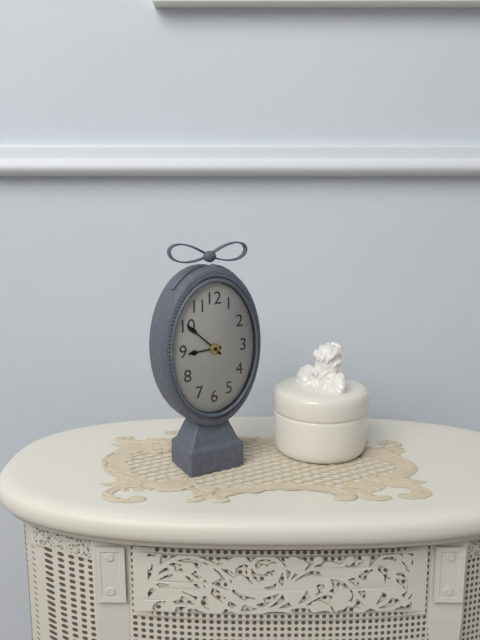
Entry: 8:52
